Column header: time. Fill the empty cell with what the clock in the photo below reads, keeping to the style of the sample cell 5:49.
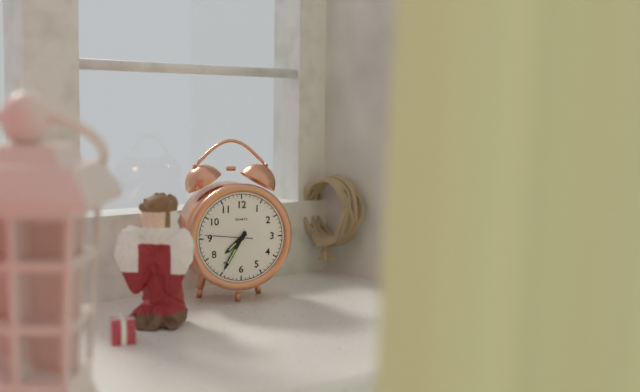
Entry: 7:35
